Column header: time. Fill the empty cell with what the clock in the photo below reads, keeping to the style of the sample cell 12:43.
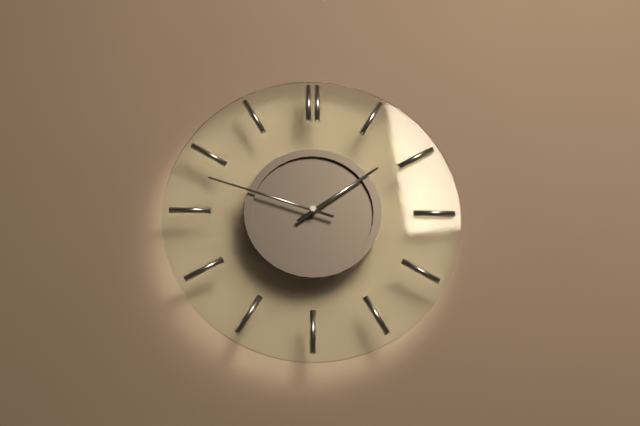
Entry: 1:48
